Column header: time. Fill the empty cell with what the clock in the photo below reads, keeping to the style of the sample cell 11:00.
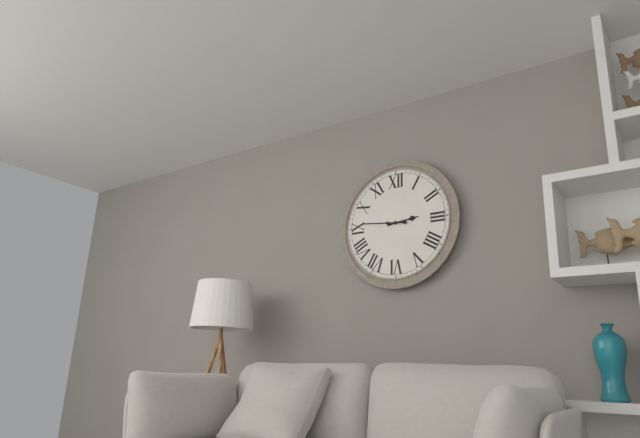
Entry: 2:46
